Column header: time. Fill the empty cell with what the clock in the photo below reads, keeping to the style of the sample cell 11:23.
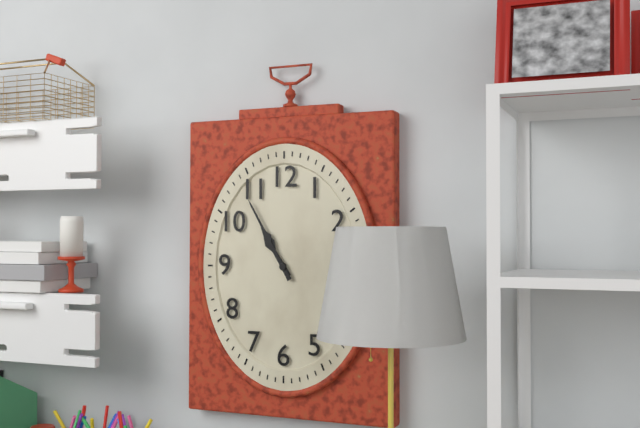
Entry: 10:55
